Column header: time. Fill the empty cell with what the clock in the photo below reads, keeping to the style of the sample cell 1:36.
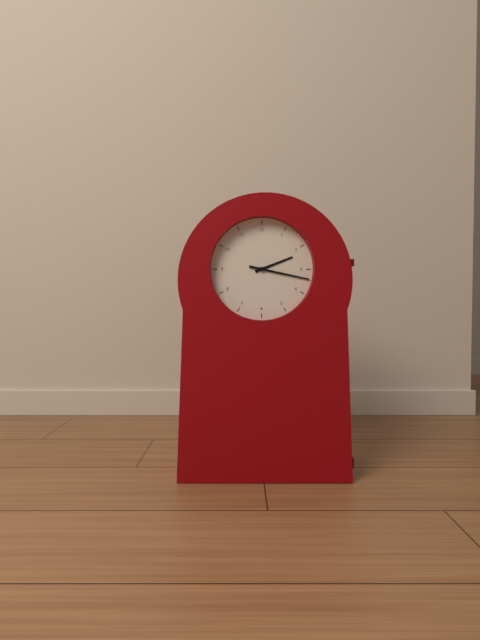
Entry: 2:17
